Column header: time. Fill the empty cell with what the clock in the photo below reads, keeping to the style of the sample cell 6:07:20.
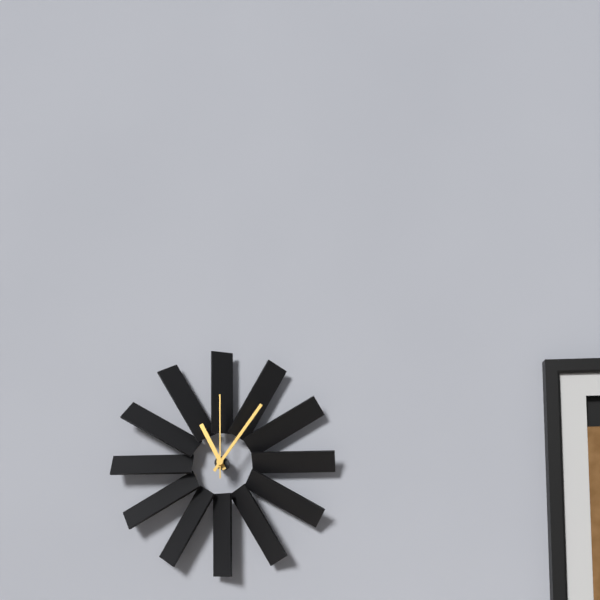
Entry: 11:06:00
